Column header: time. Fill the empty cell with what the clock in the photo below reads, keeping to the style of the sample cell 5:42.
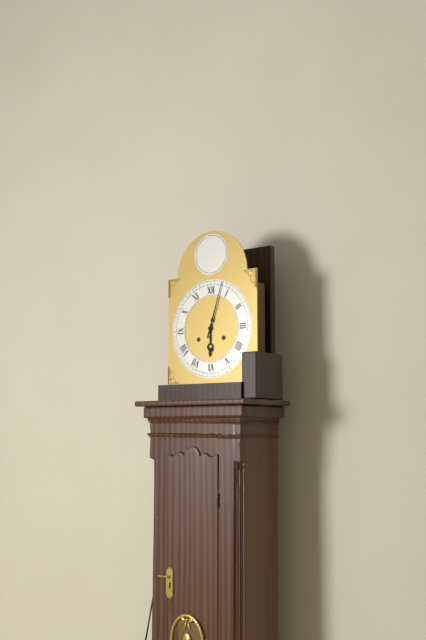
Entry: 6:03
